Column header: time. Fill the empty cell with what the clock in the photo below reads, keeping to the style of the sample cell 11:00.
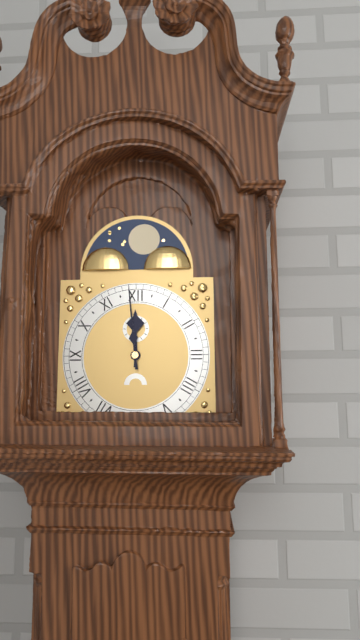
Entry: 11:59
